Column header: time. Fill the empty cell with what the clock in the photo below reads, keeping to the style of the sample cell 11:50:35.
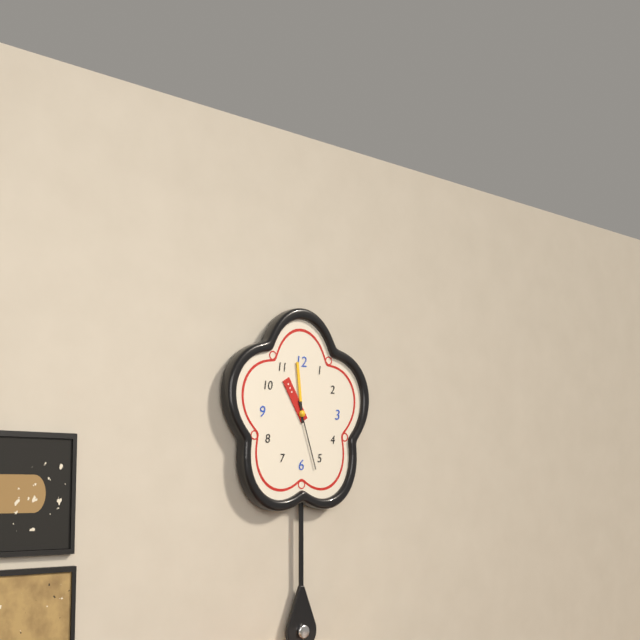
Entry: 10:59:27
